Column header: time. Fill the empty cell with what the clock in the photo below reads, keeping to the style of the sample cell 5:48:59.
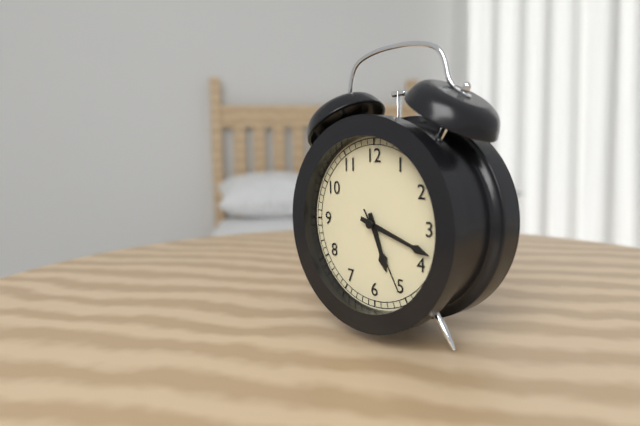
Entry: 5:18:25
